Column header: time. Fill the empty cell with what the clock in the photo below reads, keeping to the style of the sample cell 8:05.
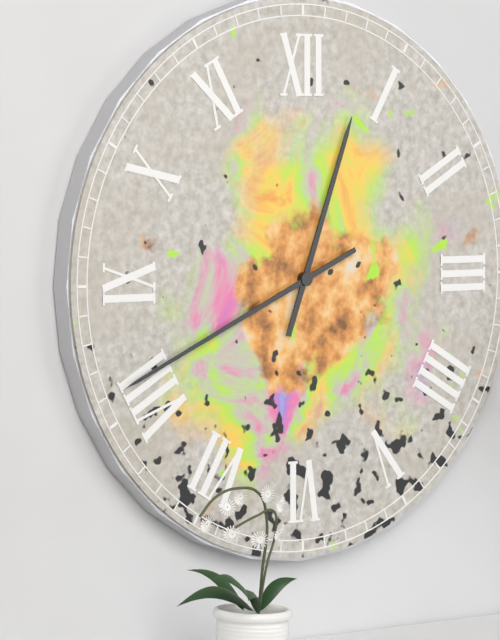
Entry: 12:41
